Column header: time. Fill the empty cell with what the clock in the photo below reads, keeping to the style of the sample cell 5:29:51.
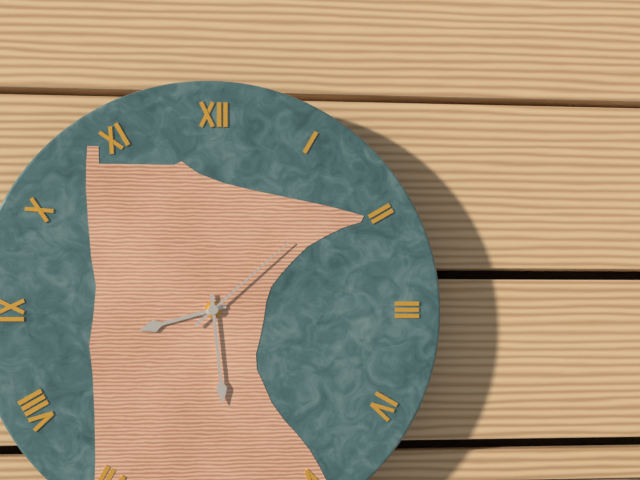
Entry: 8:29:08
